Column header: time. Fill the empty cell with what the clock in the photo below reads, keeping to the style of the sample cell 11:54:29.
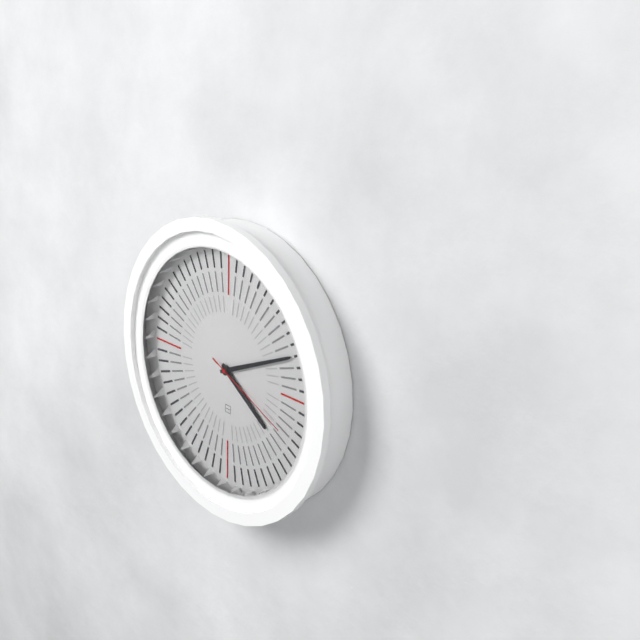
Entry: 4:11:19
